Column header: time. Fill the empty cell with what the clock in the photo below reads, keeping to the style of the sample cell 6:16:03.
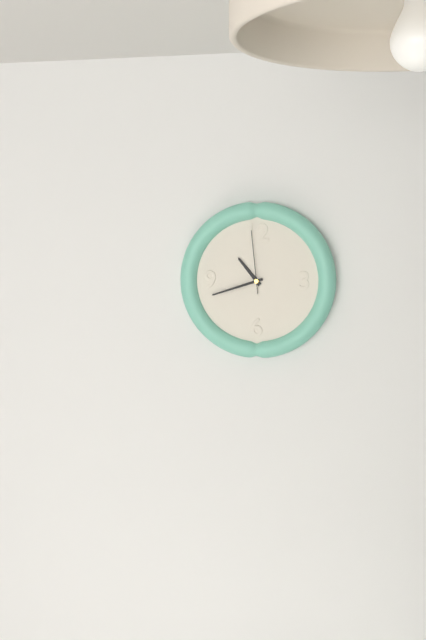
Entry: 10:42:59
